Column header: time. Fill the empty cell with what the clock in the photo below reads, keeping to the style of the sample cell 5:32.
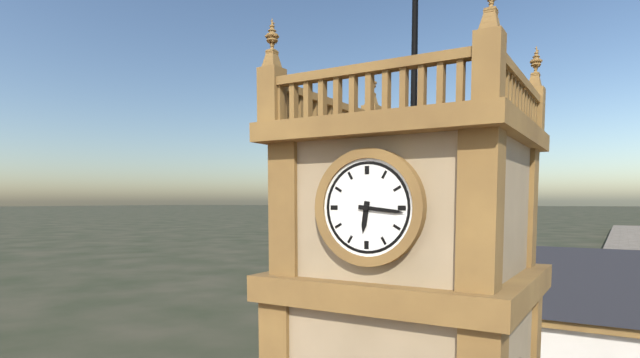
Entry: 6:16
